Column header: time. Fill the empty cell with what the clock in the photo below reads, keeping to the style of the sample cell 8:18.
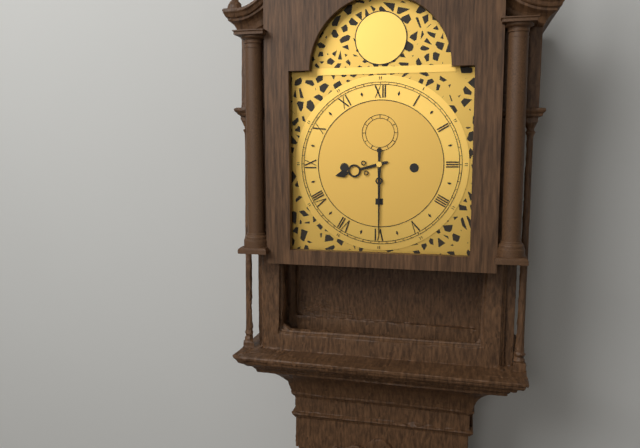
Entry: 8:30
